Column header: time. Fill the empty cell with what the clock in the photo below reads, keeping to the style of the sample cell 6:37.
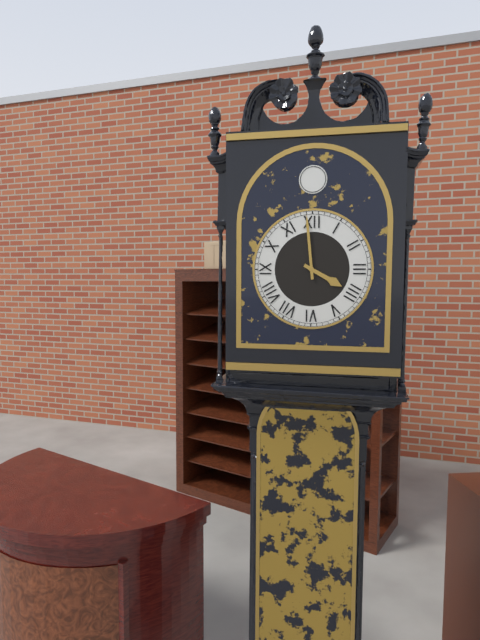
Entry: 3:59
